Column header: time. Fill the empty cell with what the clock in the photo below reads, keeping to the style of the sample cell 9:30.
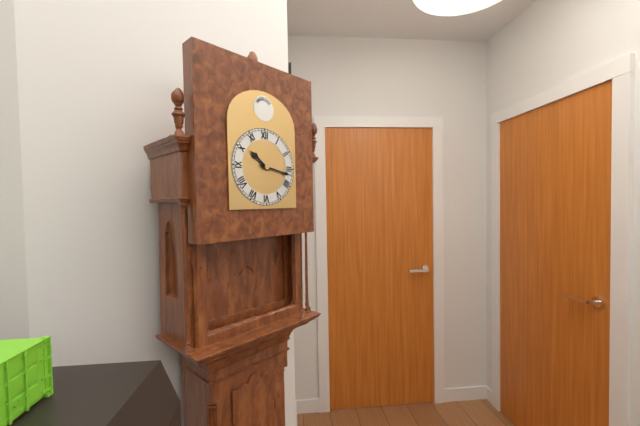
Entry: 10:17
